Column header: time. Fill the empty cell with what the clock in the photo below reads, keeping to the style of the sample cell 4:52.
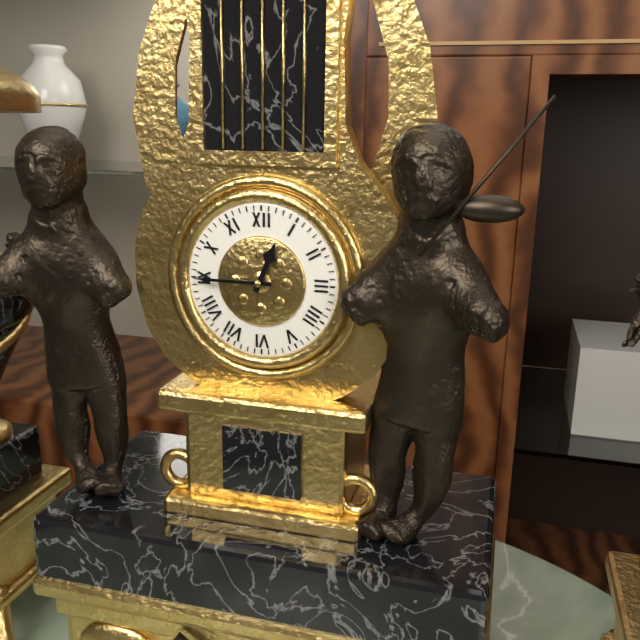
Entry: 12:45
